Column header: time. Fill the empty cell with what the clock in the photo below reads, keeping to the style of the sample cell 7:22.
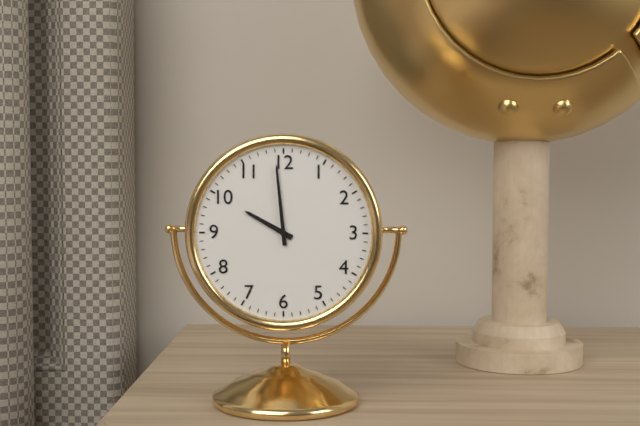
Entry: 9:59
